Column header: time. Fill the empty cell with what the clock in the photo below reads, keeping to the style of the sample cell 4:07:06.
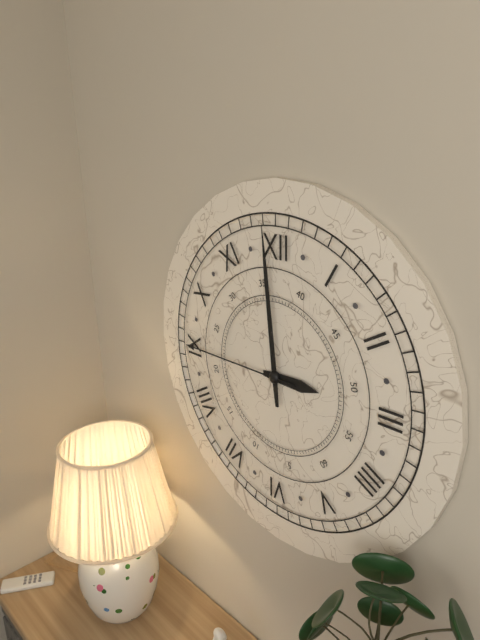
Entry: 2:59:45
